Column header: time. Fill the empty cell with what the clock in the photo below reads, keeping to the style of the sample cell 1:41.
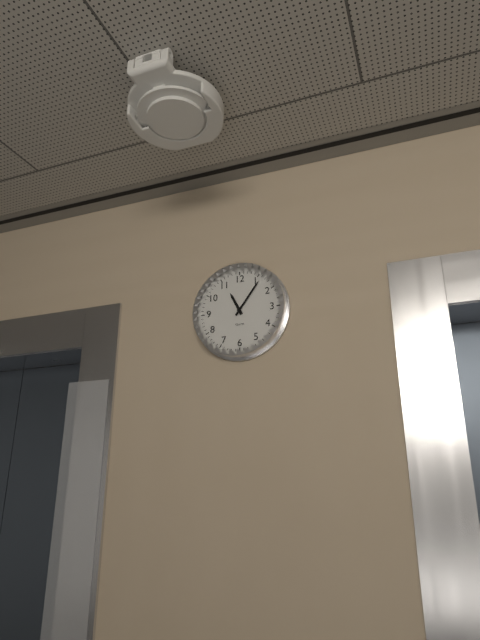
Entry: 11:06
